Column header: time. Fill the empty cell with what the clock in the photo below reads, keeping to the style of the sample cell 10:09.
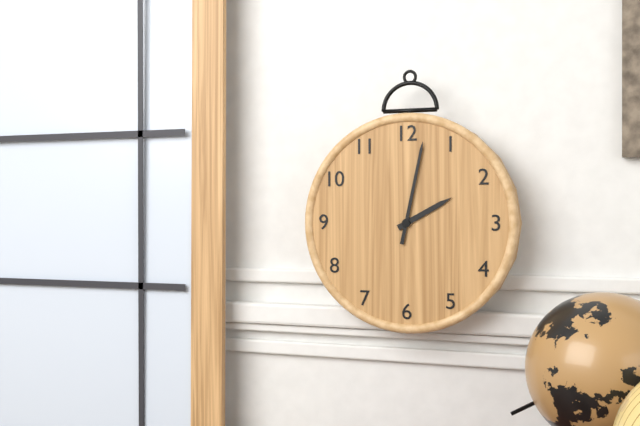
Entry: 2:02
